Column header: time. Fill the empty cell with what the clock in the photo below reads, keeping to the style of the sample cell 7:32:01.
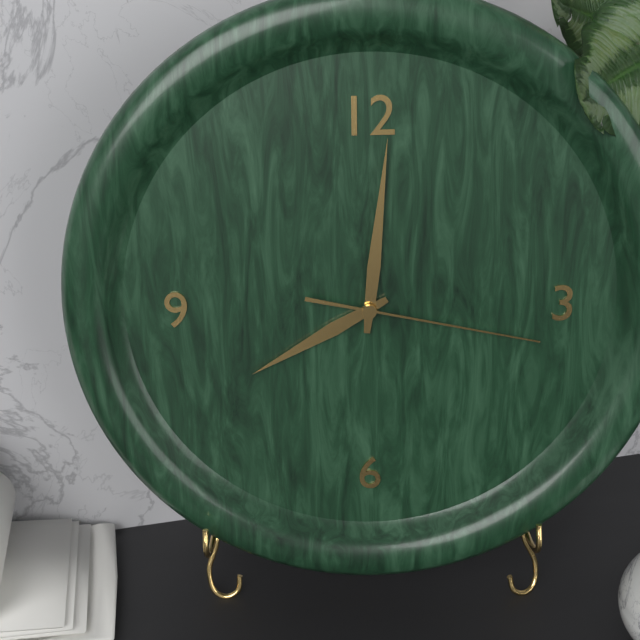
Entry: 8:01:17
